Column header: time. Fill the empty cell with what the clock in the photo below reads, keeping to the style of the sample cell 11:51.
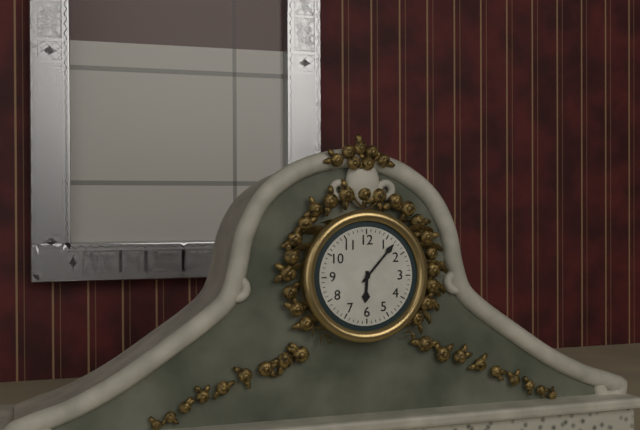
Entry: 6:07
